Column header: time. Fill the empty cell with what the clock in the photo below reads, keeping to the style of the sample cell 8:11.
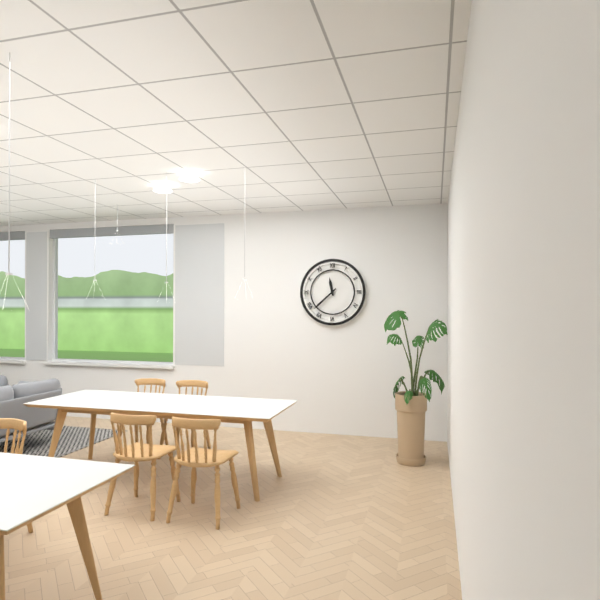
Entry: 11:38
